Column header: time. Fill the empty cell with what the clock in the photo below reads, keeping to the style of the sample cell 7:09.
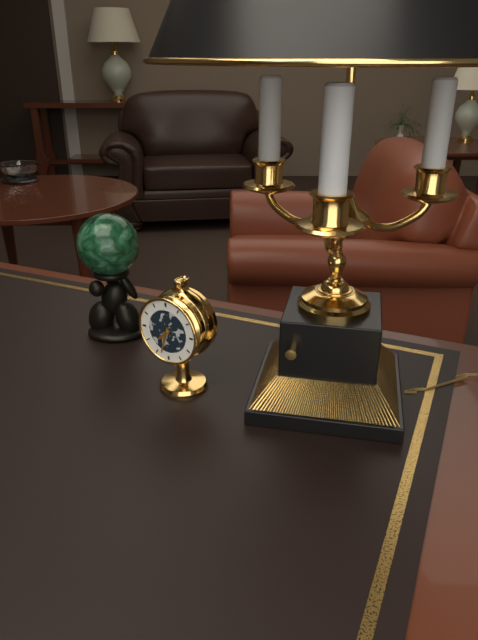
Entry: 7:33
